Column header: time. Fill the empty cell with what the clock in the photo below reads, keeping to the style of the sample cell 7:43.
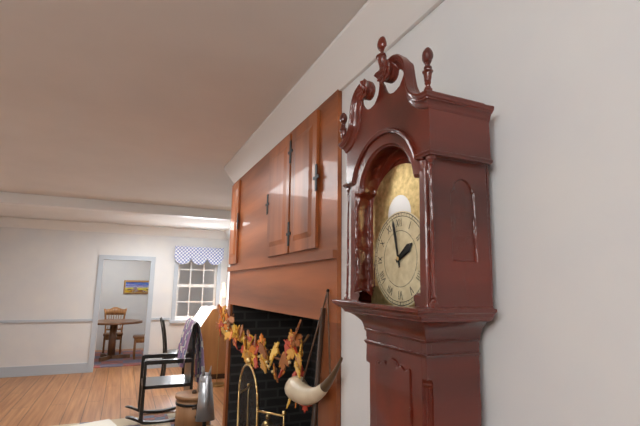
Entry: 1:58
